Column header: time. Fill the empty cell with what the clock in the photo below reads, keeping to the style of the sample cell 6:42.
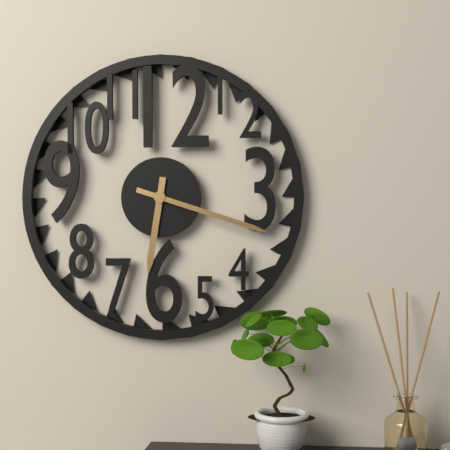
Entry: 6:18
